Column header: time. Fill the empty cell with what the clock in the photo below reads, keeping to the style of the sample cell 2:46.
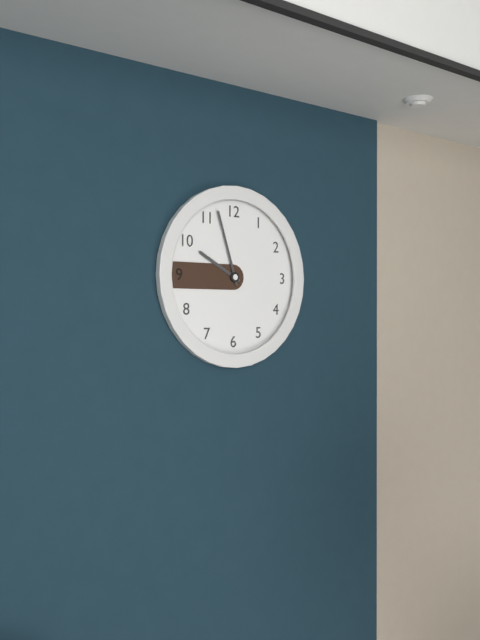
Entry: 9:57
